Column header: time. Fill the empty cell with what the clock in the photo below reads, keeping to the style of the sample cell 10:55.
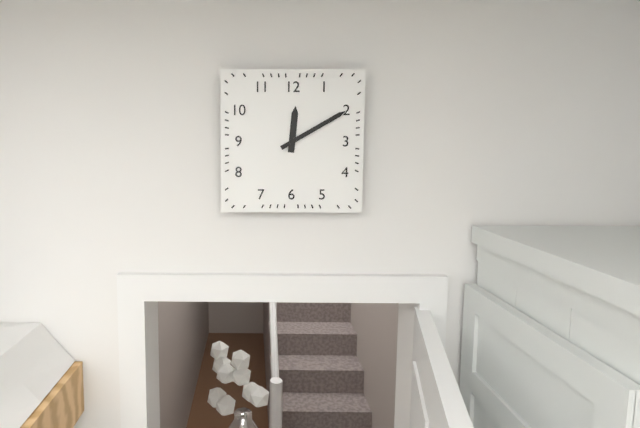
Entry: 12:10
